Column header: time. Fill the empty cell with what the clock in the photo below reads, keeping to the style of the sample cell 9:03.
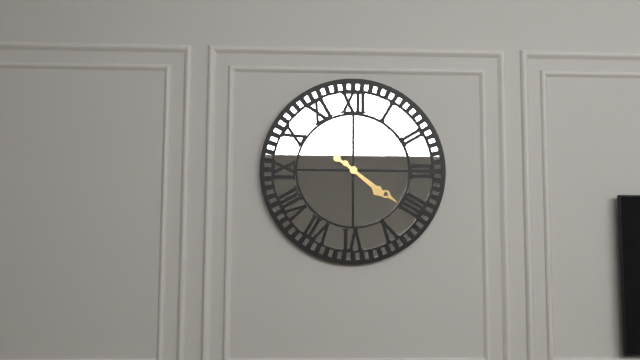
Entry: 4:21
